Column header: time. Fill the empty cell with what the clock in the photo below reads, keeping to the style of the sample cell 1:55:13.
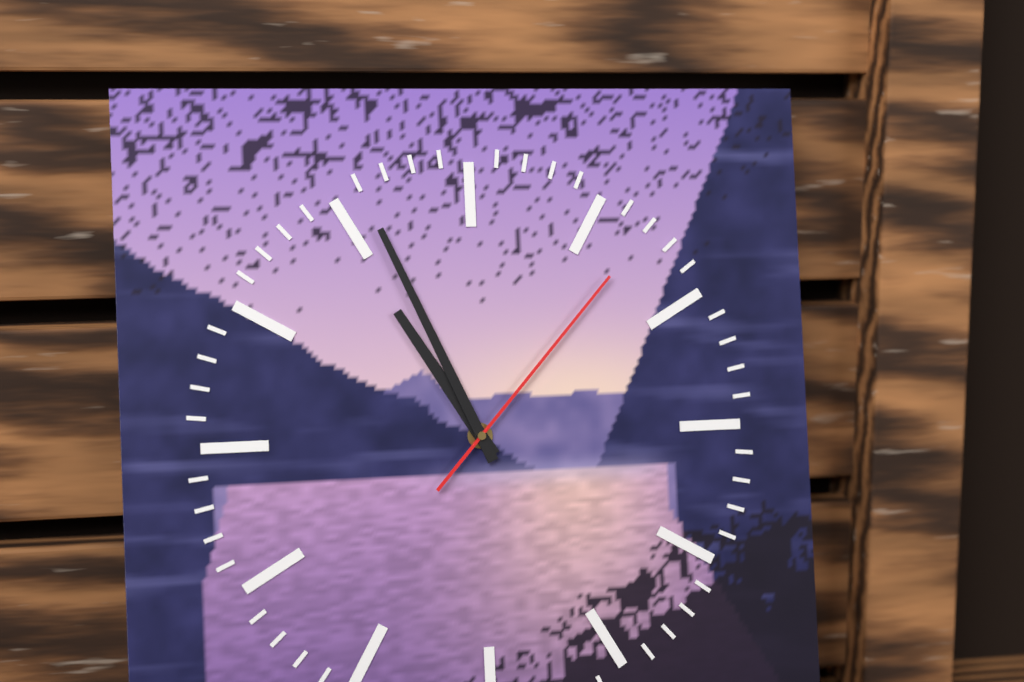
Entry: 10:56:07
